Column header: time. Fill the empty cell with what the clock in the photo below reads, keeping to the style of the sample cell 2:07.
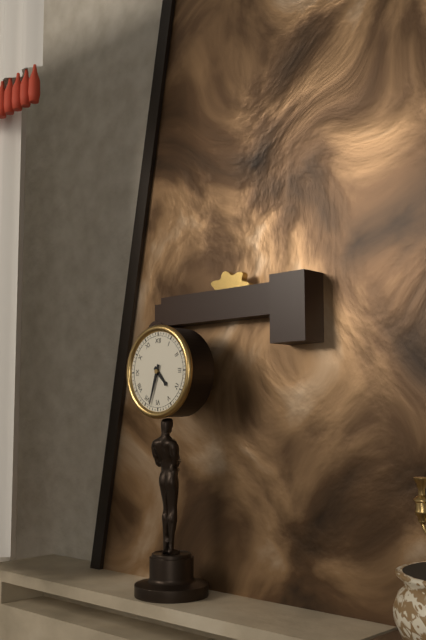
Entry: 4:33
